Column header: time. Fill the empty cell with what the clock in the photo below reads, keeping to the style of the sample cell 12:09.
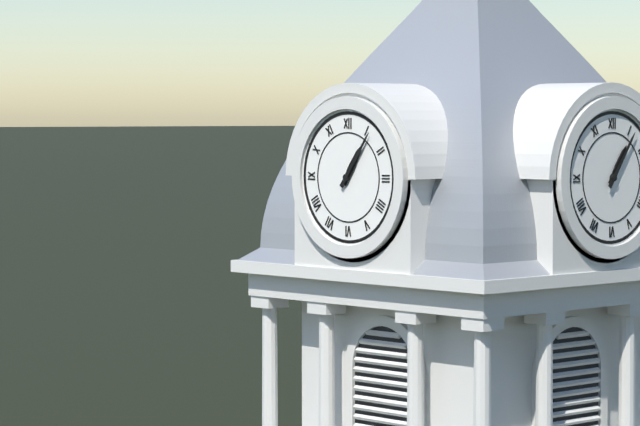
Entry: 1:06
